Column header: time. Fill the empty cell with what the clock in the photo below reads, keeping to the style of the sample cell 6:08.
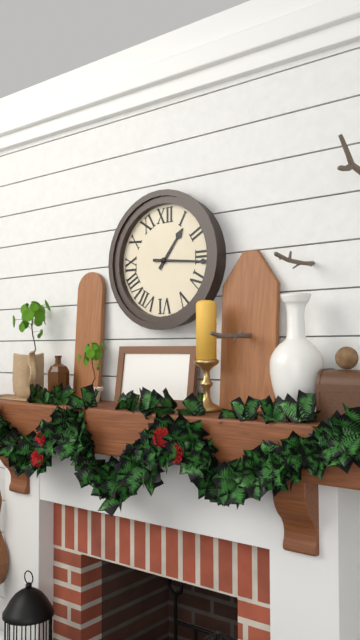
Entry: 1:16
